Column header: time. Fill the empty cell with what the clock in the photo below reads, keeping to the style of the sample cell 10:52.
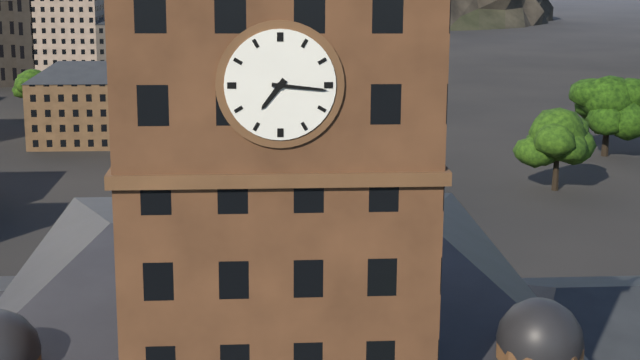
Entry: 7:16
